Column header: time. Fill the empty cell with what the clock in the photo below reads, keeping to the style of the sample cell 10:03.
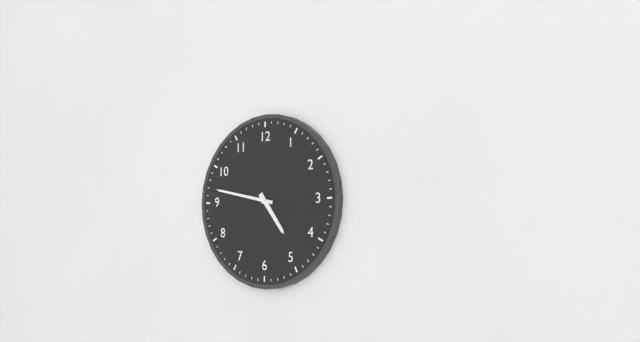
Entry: 4:47
